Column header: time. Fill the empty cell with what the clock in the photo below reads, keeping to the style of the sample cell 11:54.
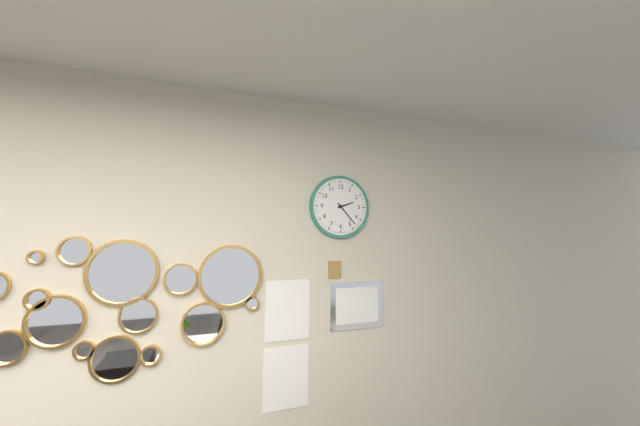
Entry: 2:23
